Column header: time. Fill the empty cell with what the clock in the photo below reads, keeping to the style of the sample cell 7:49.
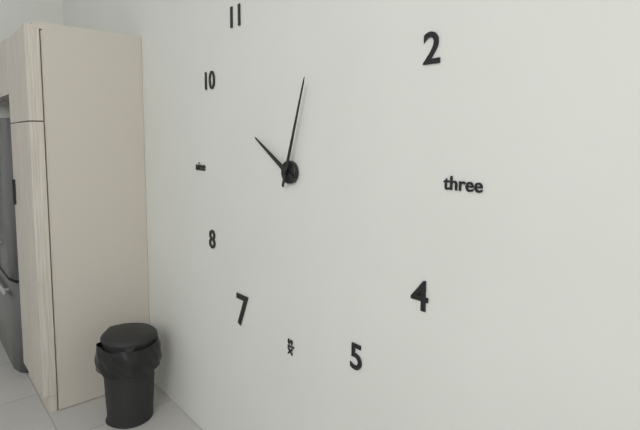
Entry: 10:03
